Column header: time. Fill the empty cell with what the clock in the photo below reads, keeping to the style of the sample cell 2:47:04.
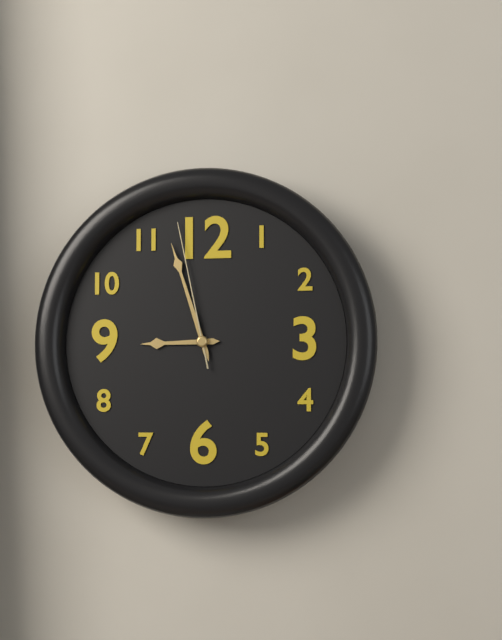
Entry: 8:57:58
